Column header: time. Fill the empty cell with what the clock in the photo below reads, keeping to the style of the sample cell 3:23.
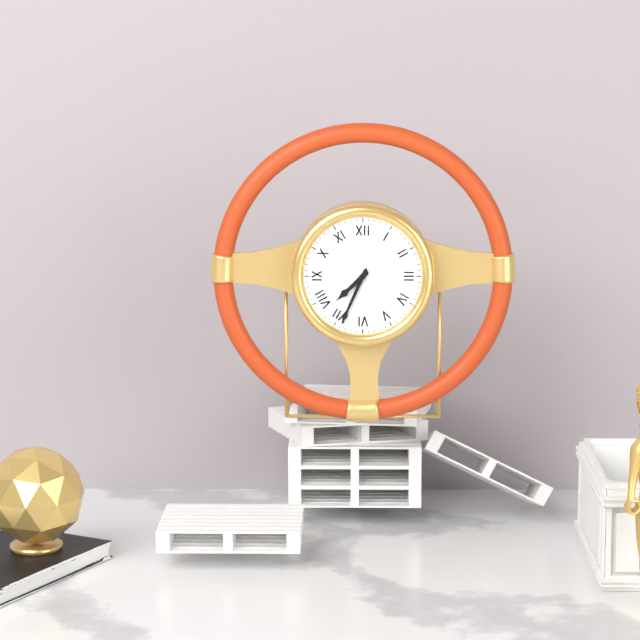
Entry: 7:34
